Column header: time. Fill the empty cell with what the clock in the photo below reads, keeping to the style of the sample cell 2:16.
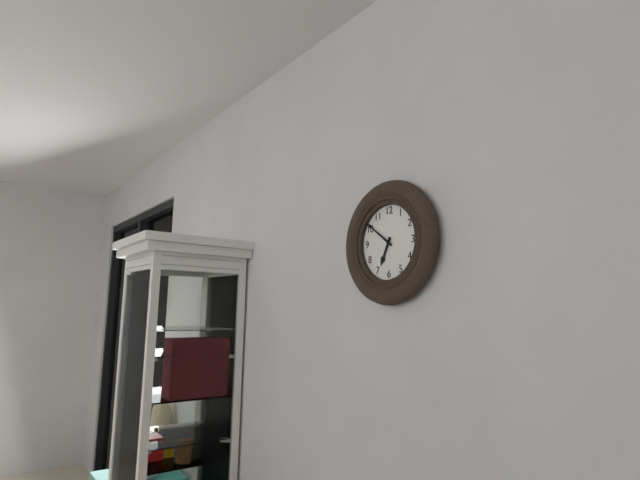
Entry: 6:51
